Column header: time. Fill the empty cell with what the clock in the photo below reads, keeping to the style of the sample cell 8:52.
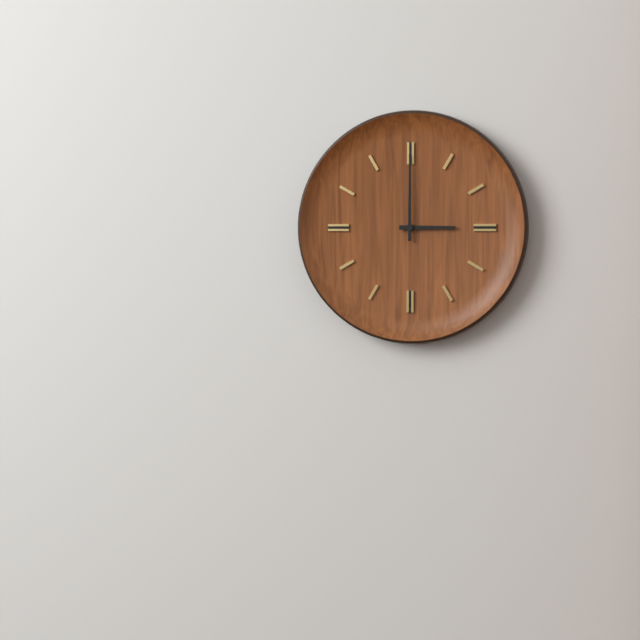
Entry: 3:00
